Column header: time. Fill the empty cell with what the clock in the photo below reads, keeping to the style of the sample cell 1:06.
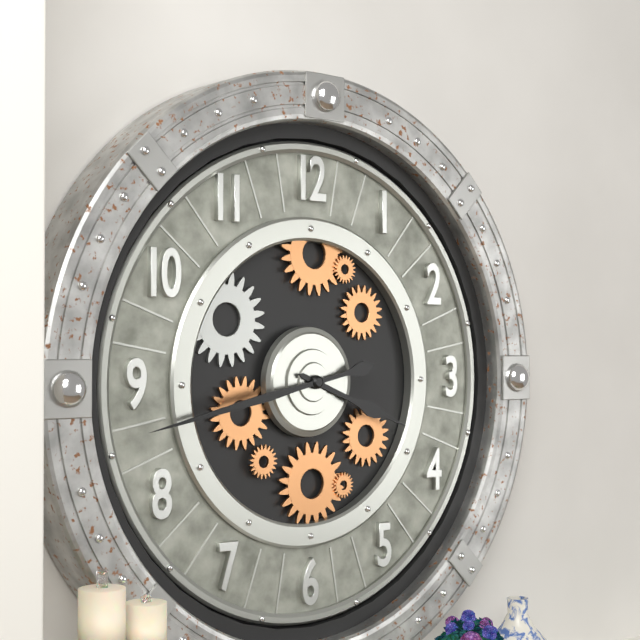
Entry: 3:43
